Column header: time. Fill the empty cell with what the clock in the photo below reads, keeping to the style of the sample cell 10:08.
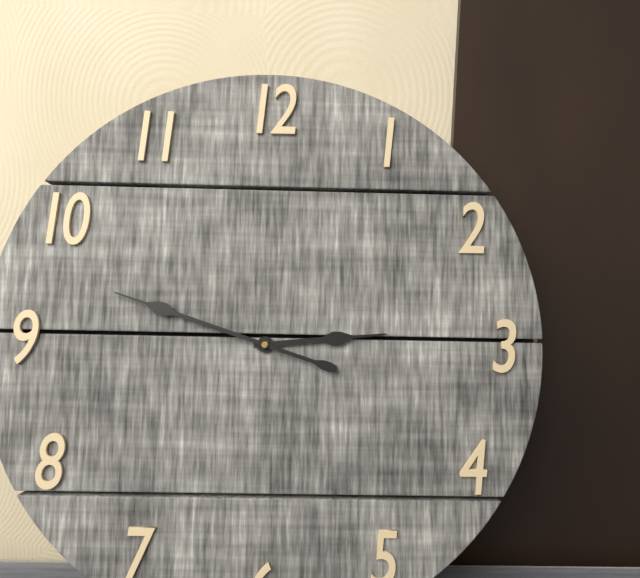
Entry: 2:48
